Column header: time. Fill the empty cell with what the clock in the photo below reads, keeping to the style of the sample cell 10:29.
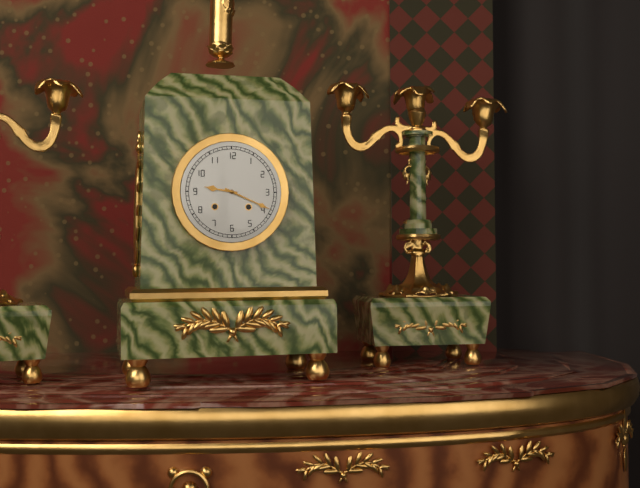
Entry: 9:19
